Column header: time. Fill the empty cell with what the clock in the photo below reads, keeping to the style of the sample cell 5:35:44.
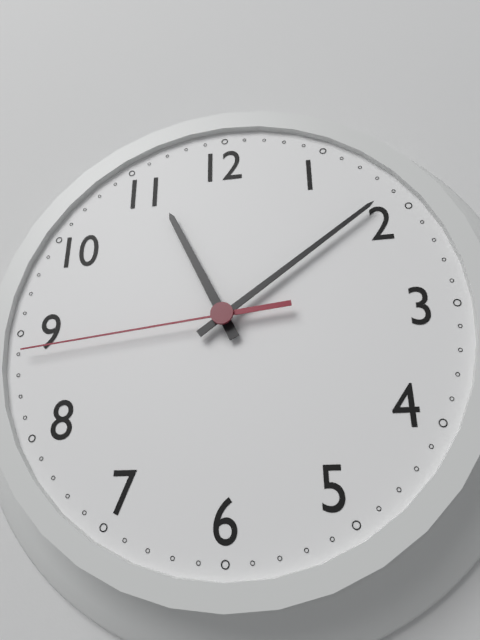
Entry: 11:09:44
